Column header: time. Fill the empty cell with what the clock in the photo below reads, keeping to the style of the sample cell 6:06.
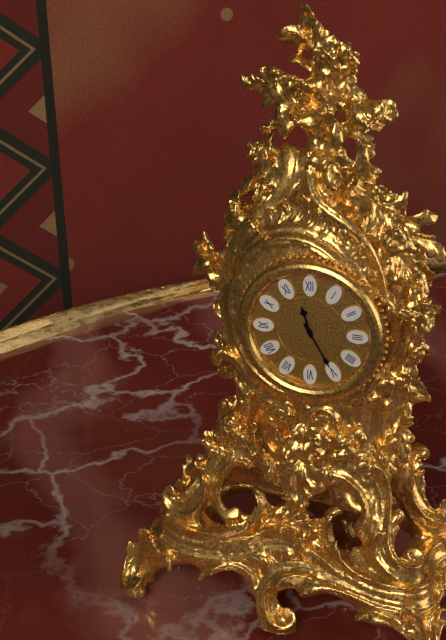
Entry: 11:25
